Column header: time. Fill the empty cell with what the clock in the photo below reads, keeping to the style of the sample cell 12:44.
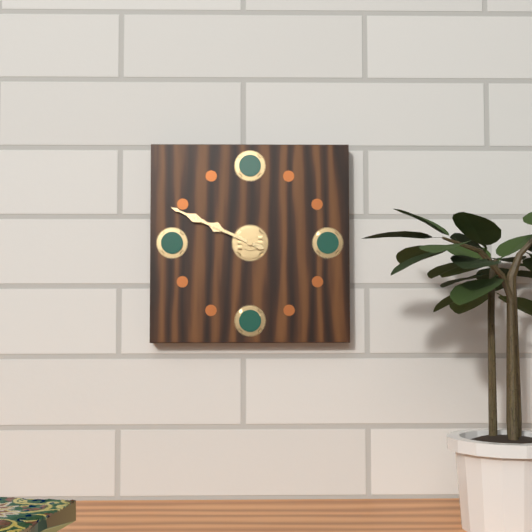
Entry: 9:49
